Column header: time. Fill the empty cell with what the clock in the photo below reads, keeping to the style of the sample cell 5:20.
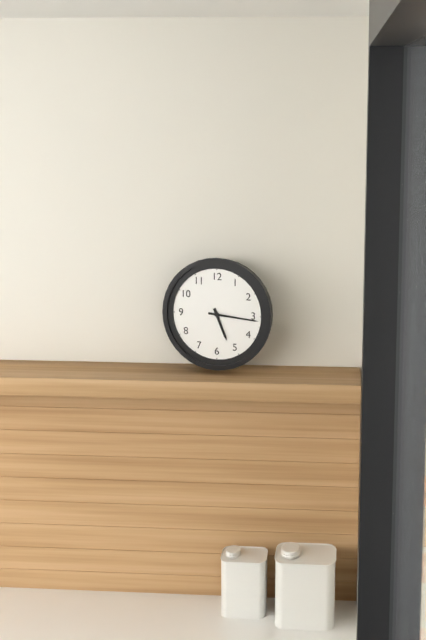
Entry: 5:16
